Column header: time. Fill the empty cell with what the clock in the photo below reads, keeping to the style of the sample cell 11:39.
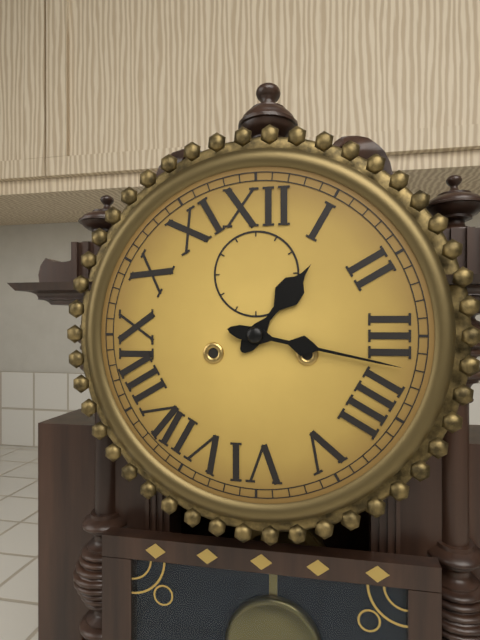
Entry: 1:17
